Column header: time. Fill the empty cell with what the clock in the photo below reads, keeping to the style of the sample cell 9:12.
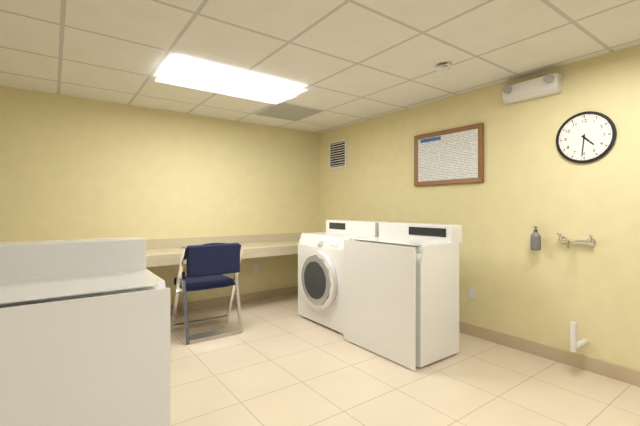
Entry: 4:31
